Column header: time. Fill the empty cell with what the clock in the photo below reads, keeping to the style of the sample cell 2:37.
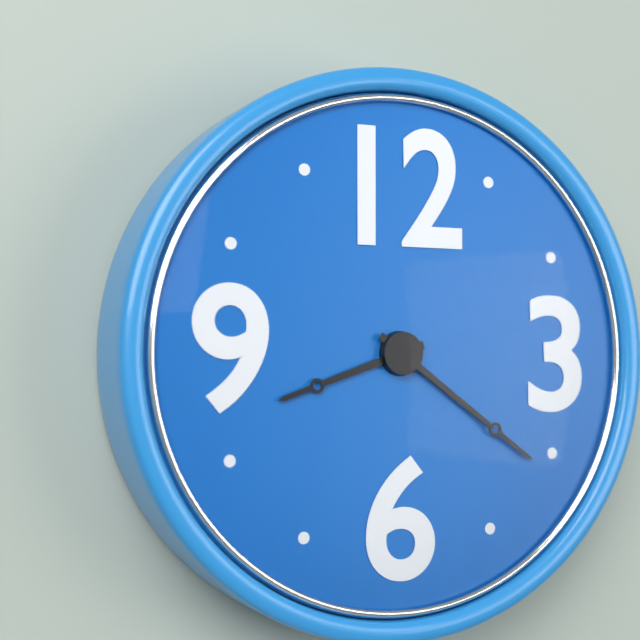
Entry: 8:21
